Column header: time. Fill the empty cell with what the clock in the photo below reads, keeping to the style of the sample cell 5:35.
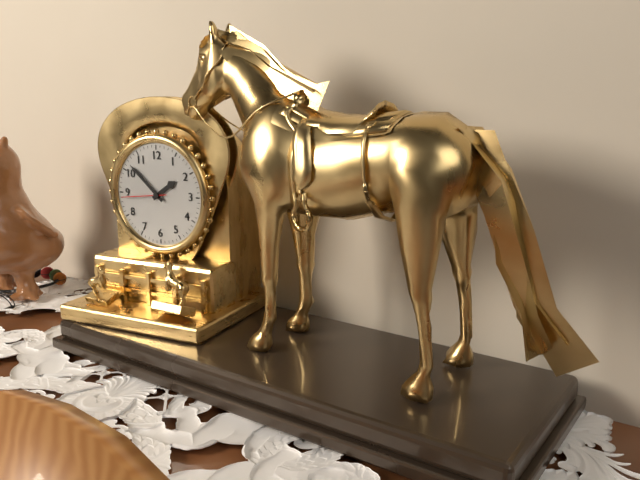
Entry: 1:52
